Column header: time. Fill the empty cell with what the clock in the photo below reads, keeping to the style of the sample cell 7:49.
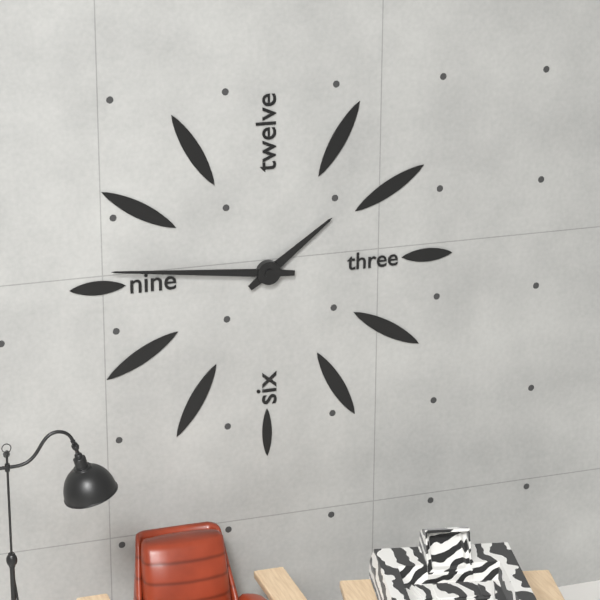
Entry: 1:46
